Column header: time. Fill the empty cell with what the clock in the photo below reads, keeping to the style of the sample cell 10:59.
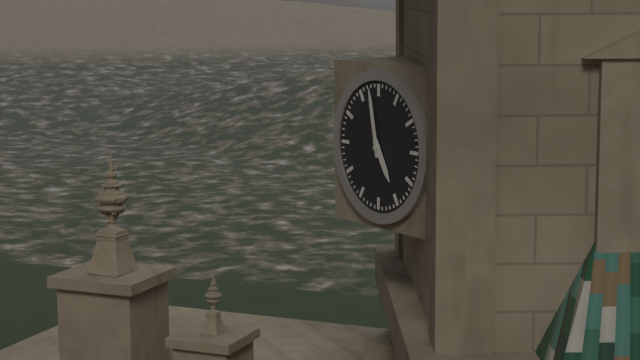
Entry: 4:58
